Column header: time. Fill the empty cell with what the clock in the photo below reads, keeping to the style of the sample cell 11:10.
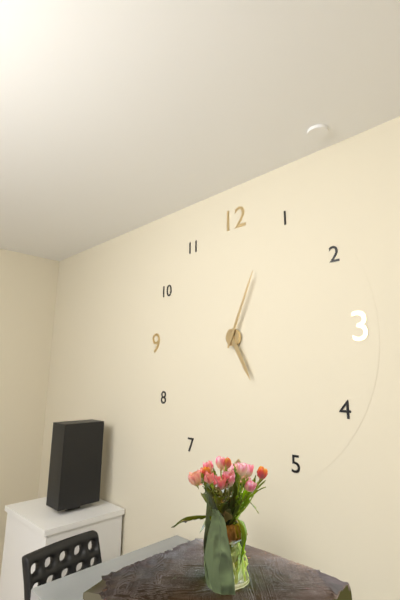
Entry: 5:04
